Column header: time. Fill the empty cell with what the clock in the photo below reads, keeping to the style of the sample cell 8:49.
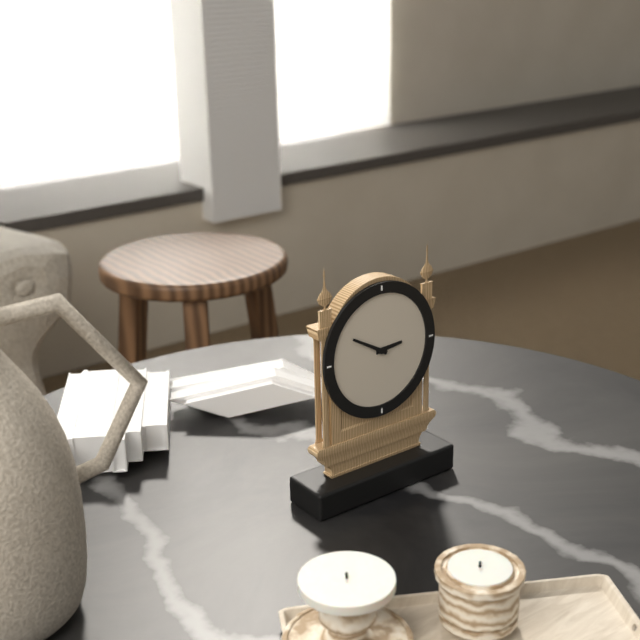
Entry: 2:50
